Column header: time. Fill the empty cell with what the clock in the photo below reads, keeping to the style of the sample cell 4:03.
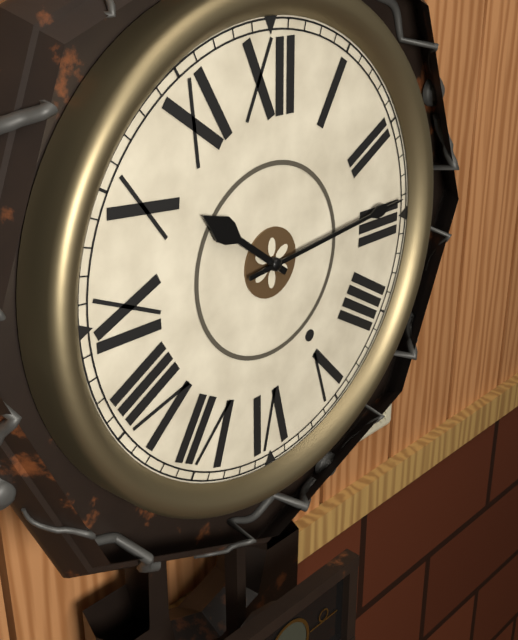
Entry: 10:14
